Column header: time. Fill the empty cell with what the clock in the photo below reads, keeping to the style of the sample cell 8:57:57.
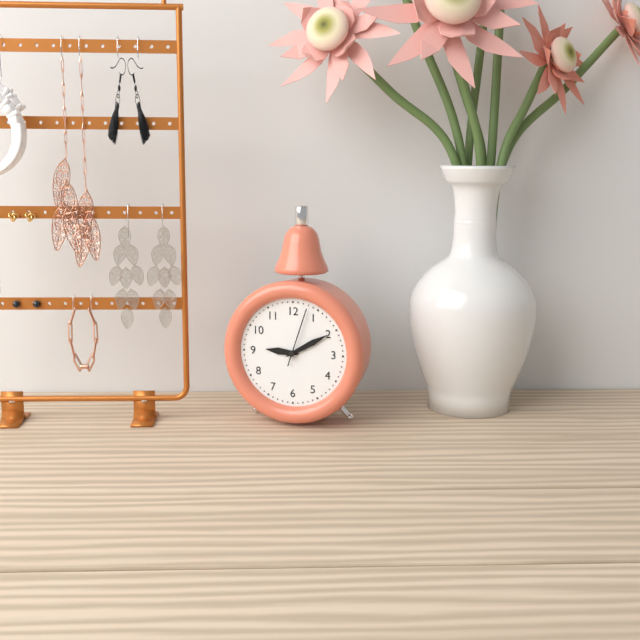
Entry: 9:10:03
